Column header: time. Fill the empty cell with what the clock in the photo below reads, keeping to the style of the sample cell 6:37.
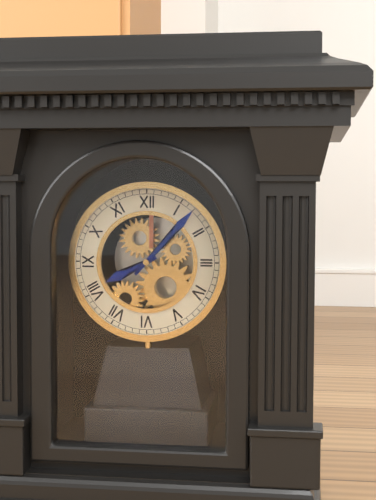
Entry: 8:07
